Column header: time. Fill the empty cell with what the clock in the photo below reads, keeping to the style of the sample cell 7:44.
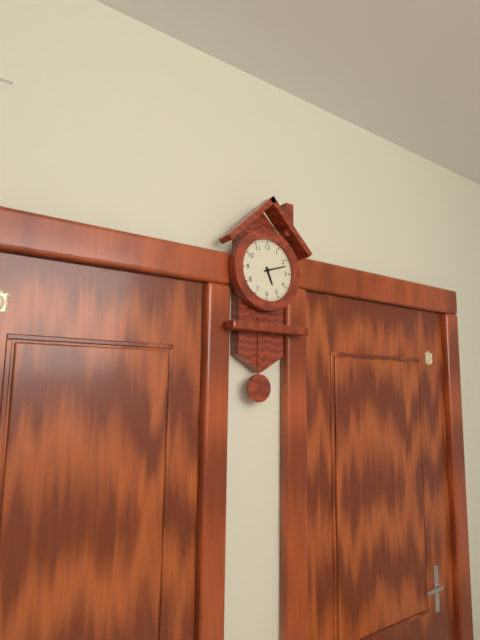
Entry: 5:12
